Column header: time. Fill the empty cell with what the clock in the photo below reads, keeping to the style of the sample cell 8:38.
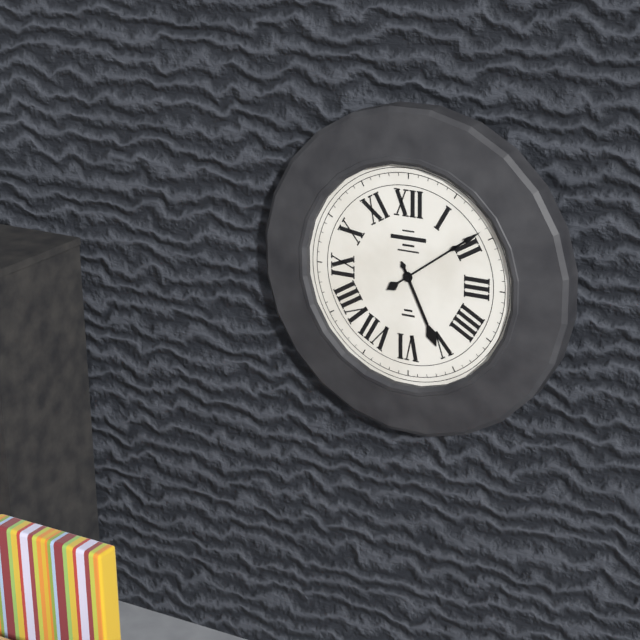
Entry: 5:09
